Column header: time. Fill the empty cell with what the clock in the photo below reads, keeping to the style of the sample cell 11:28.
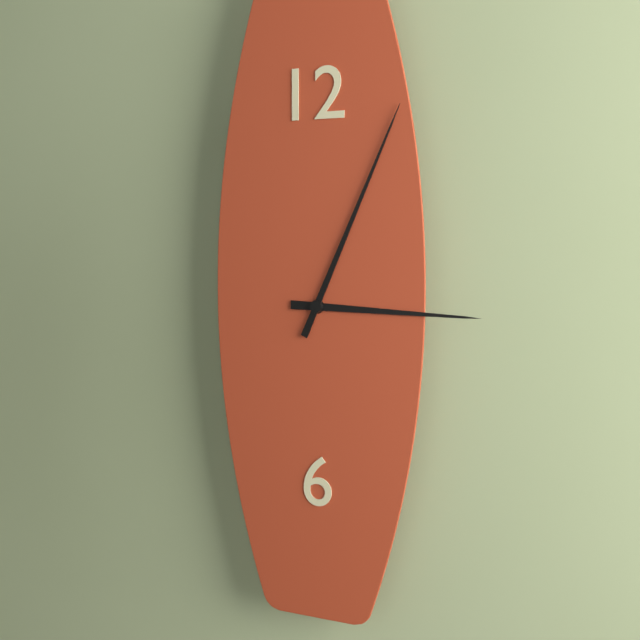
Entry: 3:04
